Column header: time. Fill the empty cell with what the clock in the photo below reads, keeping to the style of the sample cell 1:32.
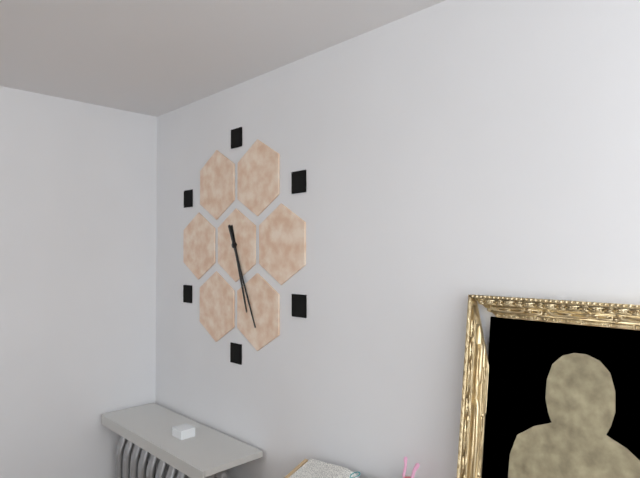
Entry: 5:26
